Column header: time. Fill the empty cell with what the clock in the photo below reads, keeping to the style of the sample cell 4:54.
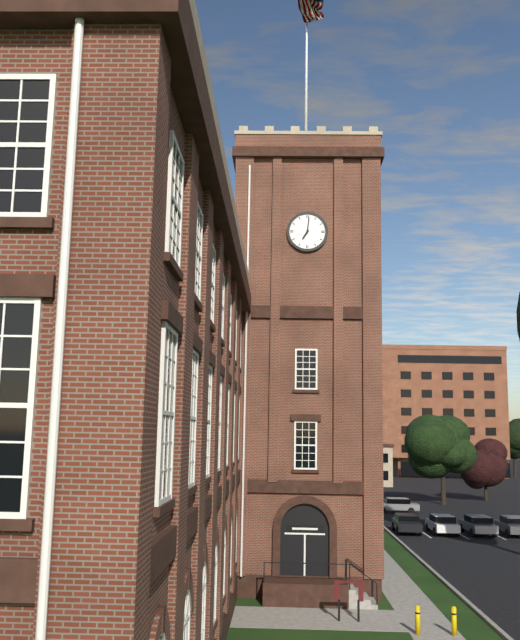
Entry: 7:01
